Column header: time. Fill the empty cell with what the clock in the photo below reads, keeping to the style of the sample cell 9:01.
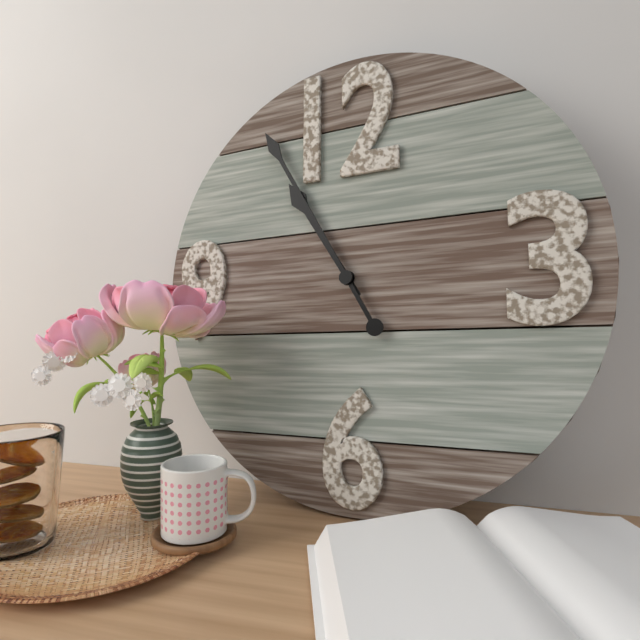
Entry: 10:55
